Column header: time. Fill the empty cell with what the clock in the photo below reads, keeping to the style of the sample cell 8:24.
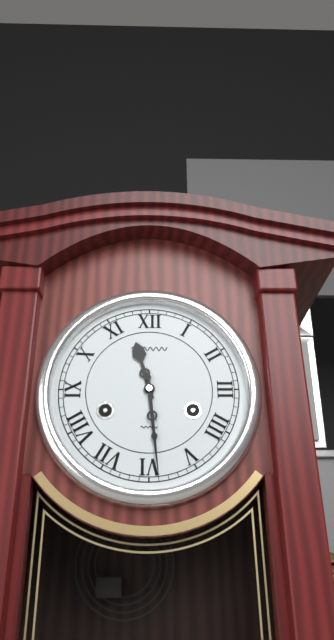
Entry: 11:29
